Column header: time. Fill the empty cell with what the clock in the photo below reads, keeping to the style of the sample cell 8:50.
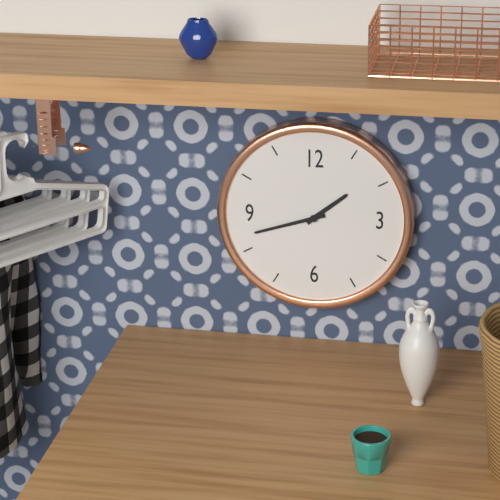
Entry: 1:42
